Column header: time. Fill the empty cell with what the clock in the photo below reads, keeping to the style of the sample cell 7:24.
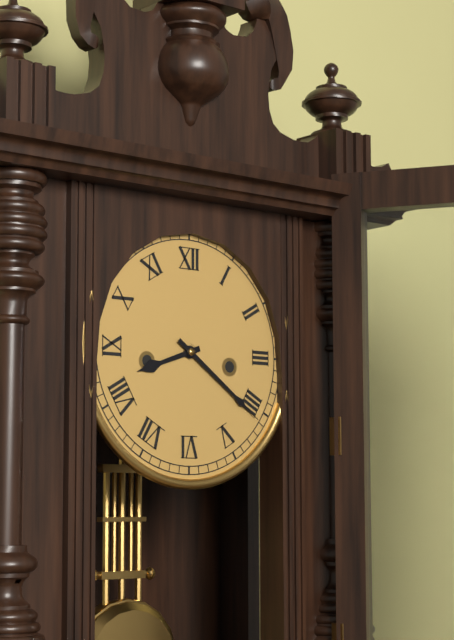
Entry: 8:21
